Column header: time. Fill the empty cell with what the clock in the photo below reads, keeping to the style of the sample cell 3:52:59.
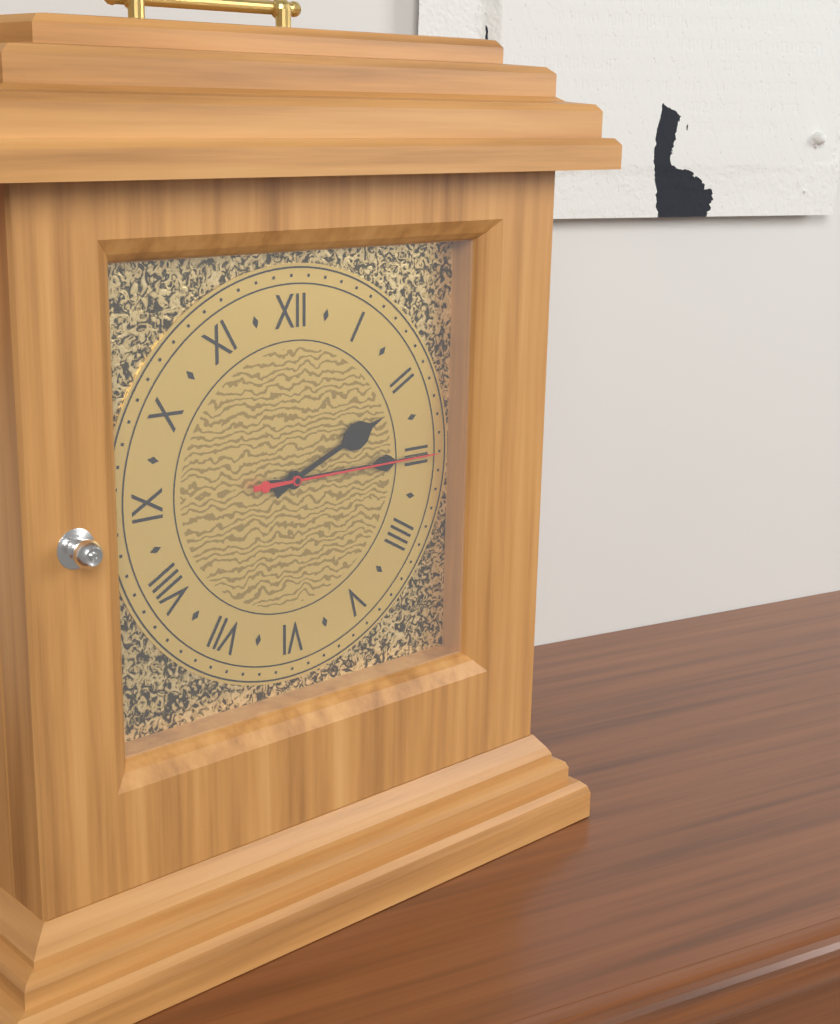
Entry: 2:15:15
